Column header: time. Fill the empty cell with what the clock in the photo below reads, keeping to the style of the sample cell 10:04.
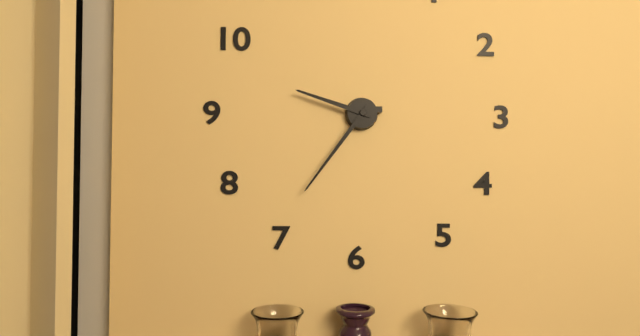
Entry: 9:36
